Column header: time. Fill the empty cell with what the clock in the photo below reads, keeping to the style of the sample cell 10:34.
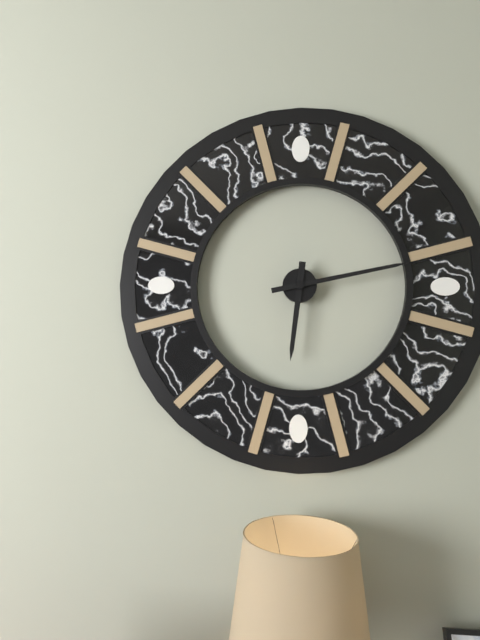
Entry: 6:13
